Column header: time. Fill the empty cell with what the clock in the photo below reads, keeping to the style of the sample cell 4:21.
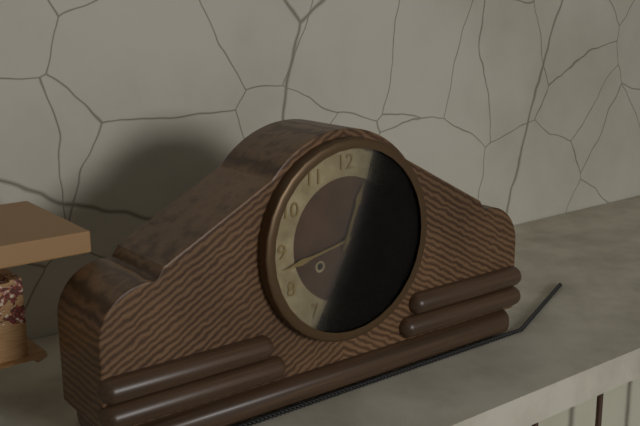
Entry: 12:43
